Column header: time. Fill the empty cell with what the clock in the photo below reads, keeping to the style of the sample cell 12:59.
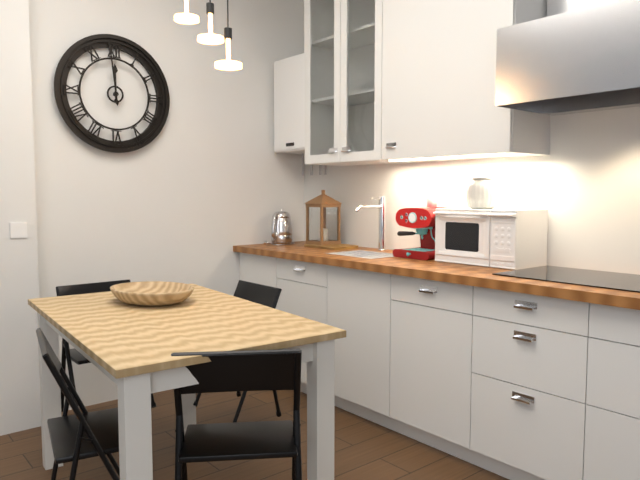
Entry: 11:59
